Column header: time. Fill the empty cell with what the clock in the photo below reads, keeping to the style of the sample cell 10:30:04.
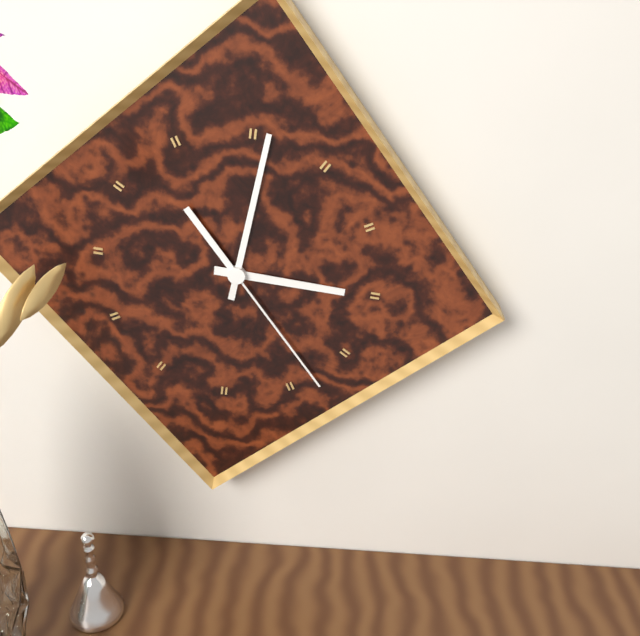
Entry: 3:01:23
